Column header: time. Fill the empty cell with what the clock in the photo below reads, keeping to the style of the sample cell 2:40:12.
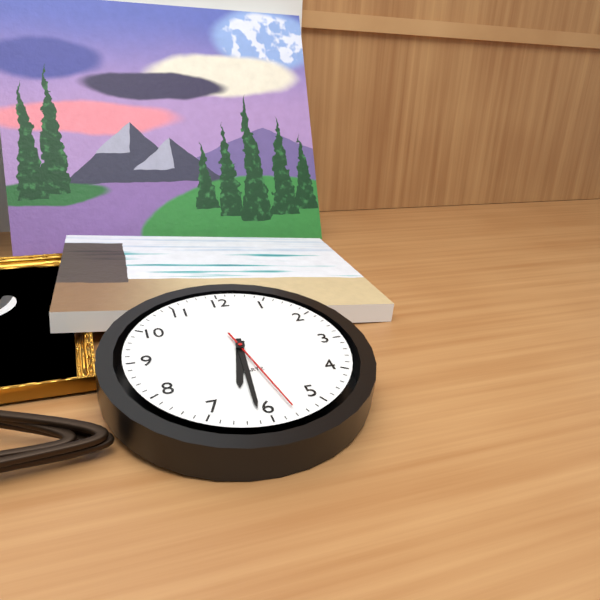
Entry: 6:31:28
